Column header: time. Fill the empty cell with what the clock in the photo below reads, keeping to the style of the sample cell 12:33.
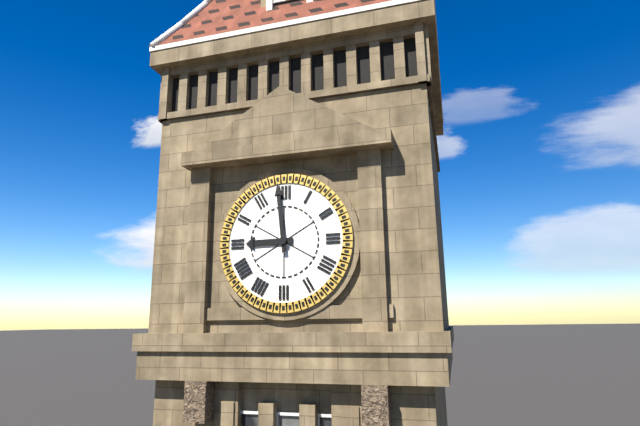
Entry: 8:59
